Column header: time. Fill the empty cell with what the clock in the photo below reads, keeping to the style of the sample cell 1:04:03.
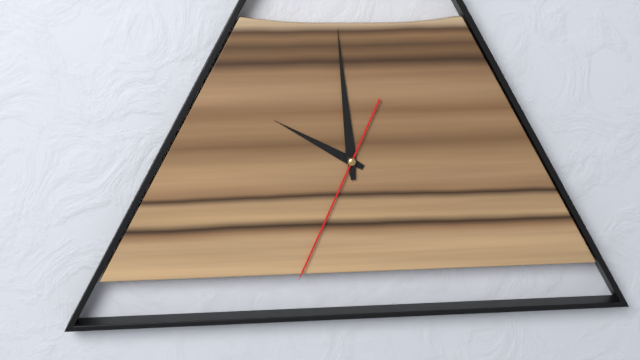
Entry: 9:59:34
